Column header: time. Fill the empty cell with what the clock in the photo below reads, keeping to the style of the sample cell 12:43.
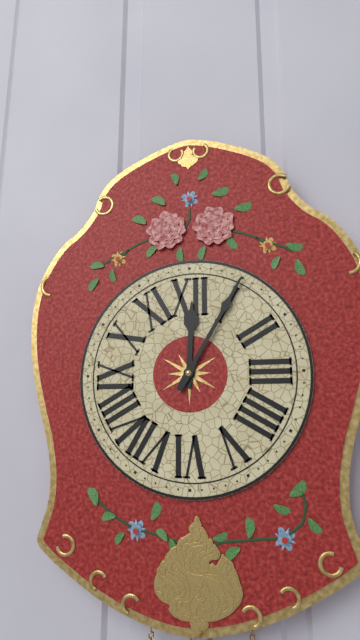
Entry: 12:05
